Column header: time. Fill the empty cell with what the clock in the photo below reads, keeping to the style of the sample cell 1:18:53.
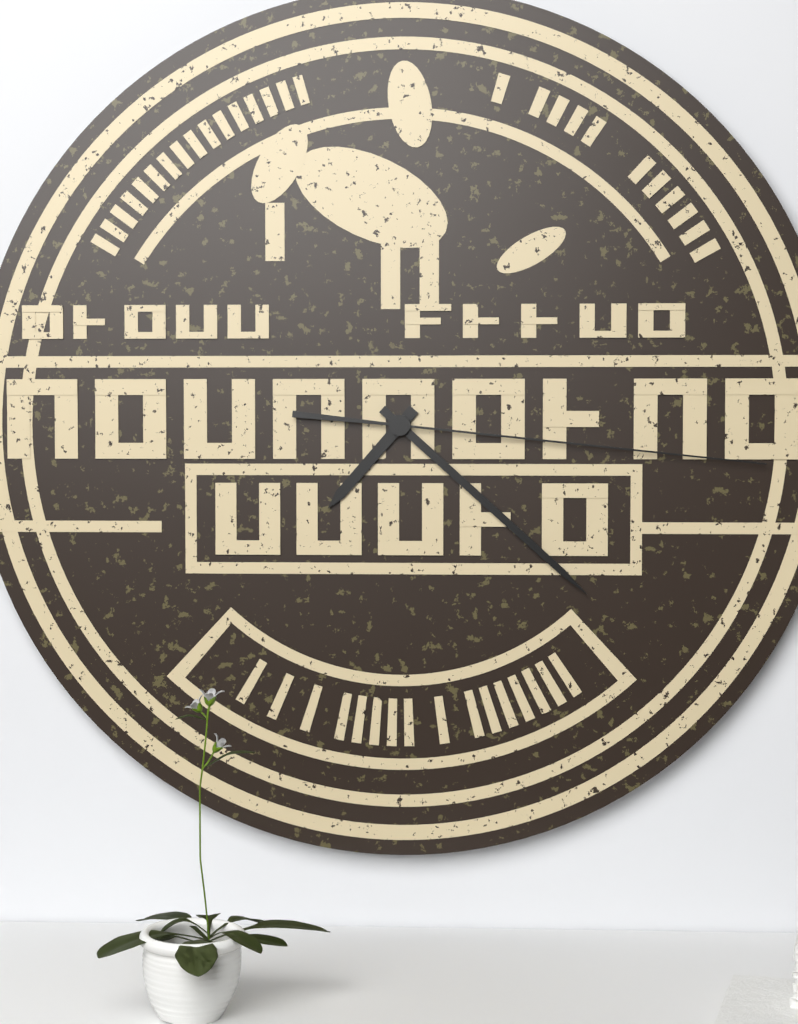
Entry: 7:22:16
